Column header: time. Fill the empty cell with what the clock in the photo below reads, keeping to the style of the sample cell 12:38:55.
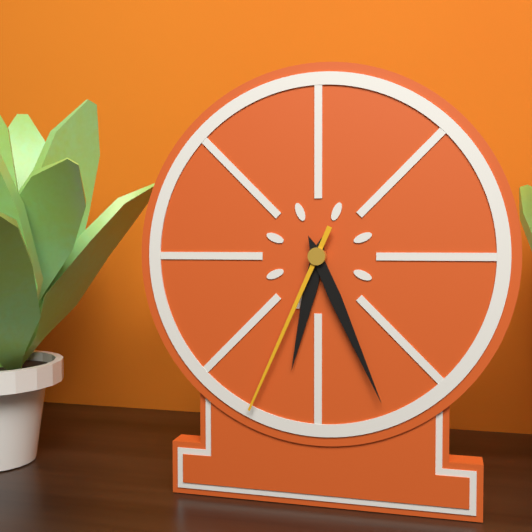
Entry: 6:26:34
